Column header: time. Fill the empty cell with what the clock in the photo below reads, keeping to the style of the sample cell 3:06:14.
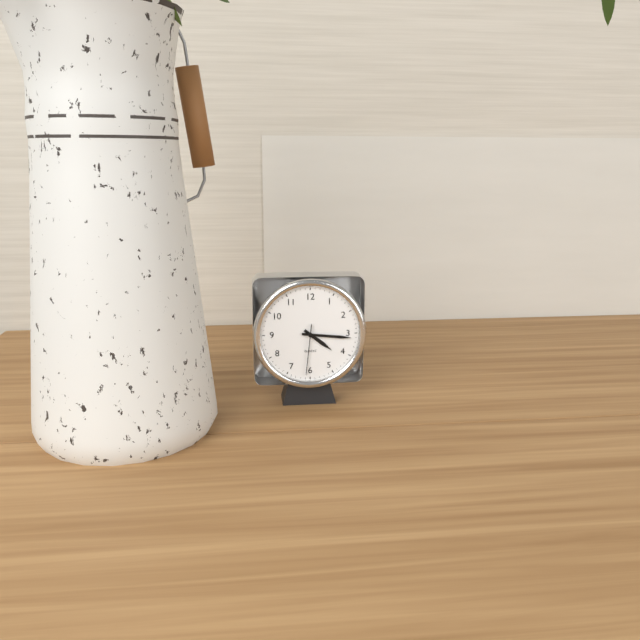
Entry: 4:16:31
